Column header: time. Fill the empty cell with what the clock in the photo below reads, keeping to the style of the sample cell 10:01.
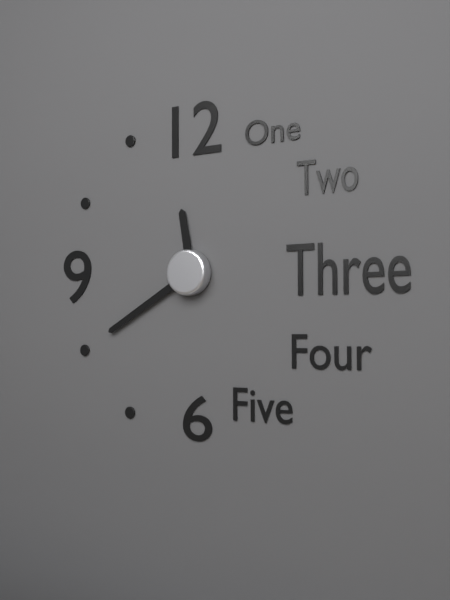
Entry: 11:40
